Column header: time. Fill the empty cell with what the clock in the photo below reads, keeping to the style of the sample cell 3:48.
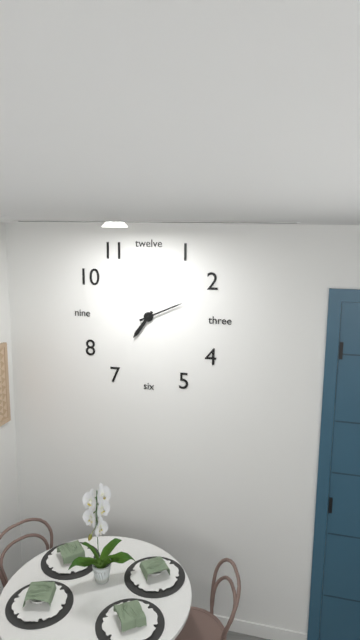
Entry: 7:11
